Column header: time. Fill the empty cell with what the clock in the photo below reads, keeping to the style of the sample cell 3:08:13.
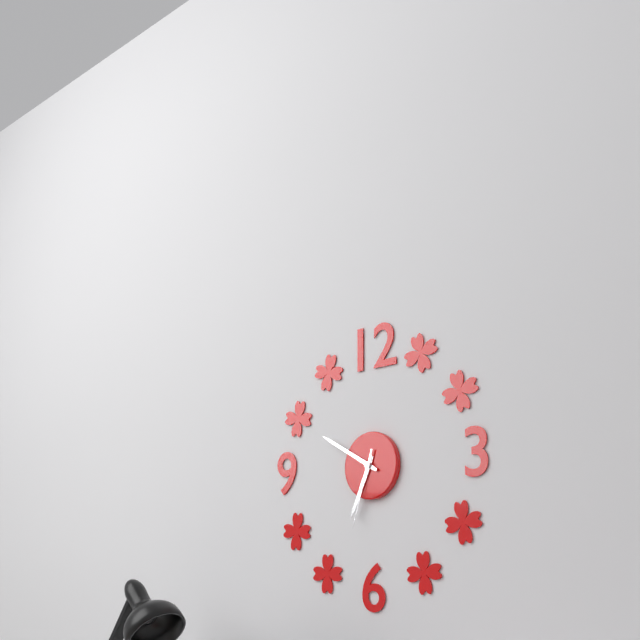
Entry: 6:50:33
